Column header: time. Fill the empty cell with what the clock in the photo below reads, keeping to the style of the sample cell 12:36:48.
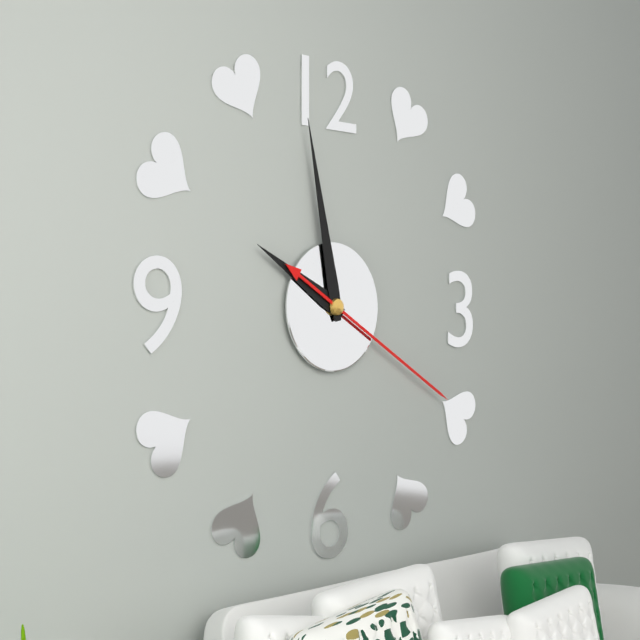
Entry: 9:58:20
